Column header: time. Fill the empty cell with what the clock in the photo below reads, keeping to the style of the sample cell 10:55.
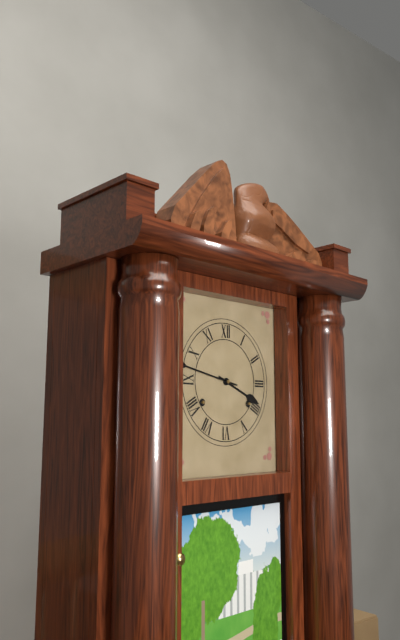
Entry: 3:47
